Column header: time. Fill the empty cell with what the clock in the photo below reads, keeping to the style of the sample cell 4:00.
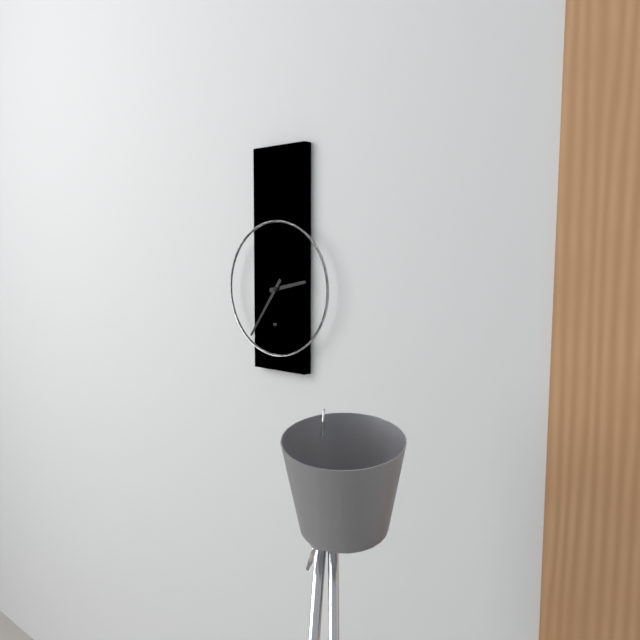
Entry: 2:36
